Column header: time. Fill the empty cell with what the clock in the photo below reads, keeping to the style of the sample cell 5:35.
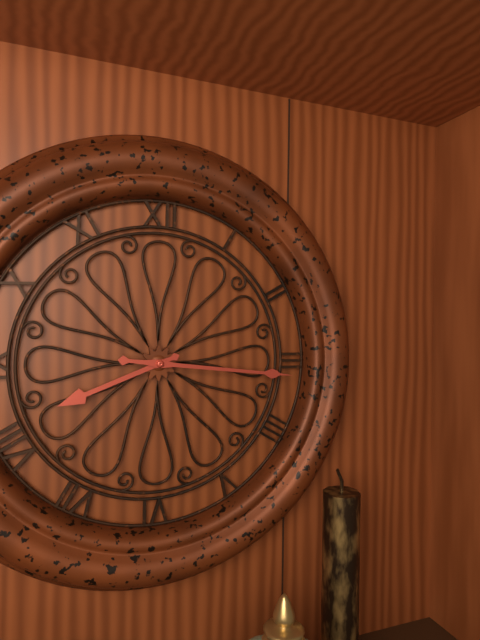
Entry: 8:16
